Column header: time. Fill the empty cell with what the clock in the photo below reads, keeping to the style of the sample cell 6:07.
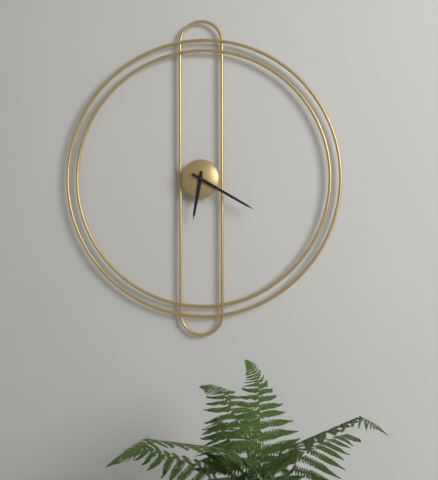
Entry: 6:20
